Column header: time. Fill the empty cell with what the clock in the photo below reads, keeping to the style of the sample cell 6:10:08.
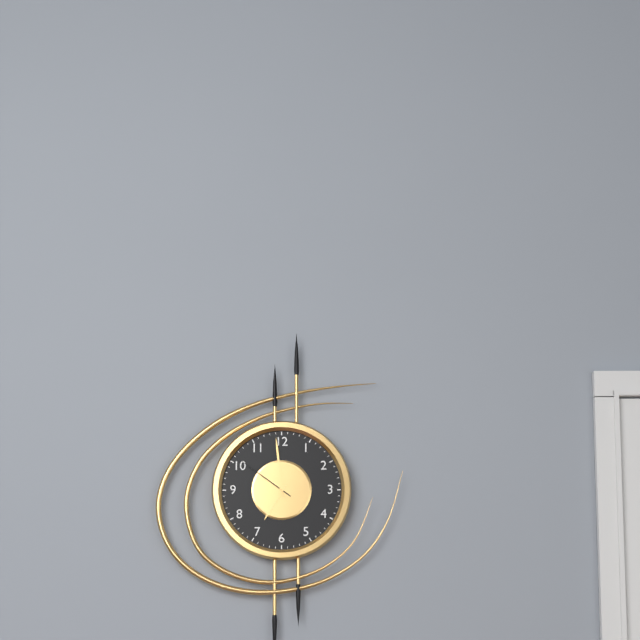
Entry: 6:59:51
